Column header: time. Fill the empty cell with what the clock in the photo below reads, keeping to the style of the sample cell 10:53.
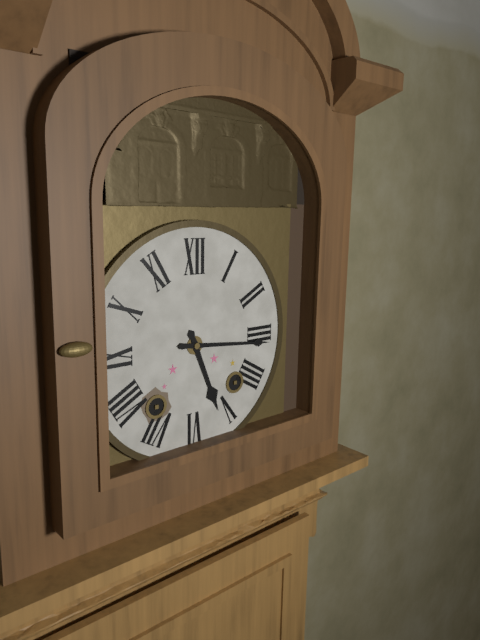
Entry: 5:16
